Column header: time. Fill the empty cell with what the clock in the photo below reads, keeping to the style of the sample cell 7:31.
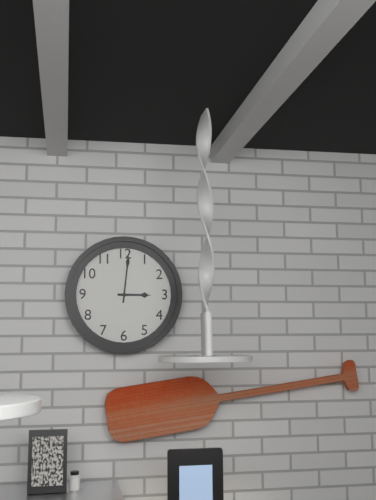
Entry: 3:01
